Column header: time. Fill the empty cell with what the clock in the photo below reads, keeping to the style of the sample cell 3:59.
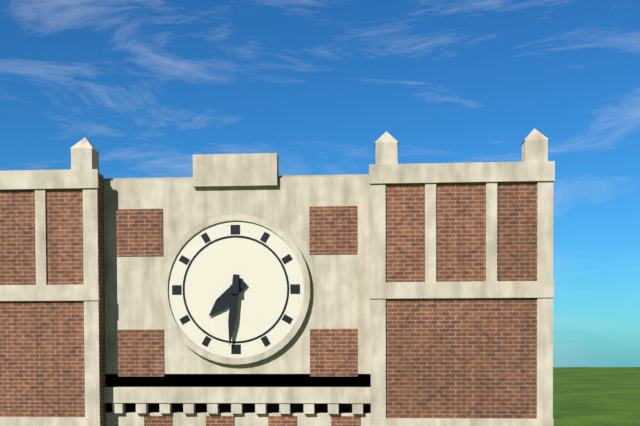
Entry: 7:31
